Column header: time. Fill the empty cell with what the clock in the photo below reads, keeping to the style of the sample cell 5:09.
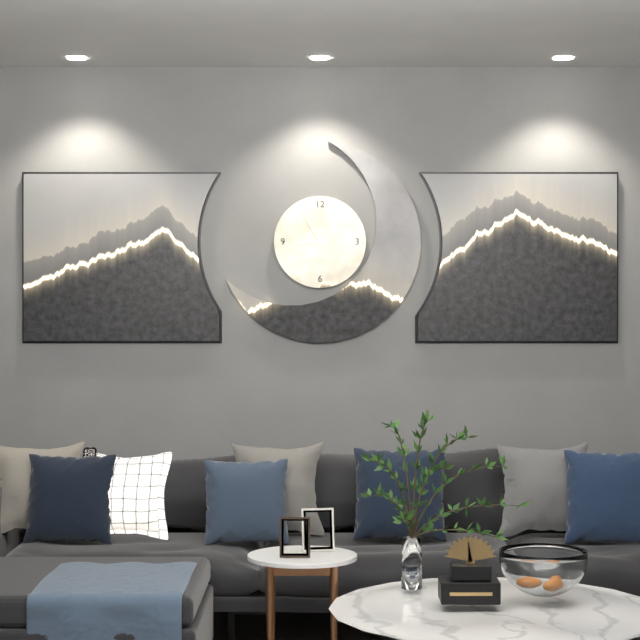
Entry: 8:55
